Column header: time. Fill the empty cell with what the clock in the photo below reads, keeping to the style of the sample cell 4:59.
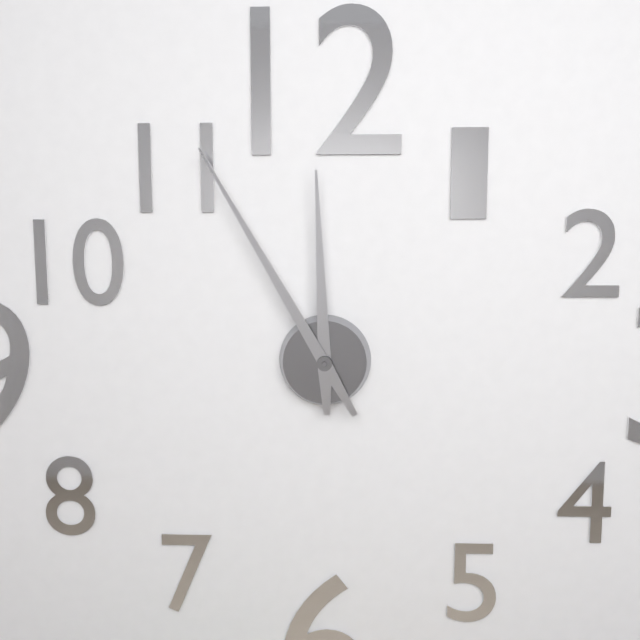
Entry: 11:55
